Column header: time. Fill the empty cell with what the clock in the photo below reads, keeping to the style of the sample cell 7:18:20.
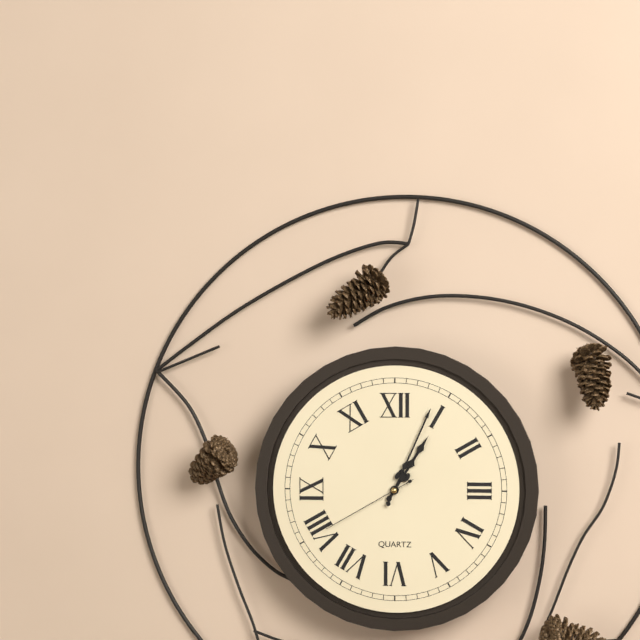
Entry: 1:04:40
